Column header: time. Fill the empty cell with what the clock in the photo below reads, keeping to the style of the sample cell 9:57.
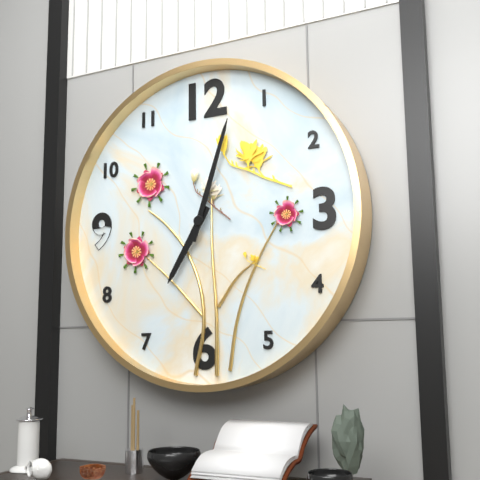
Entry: 7:03
